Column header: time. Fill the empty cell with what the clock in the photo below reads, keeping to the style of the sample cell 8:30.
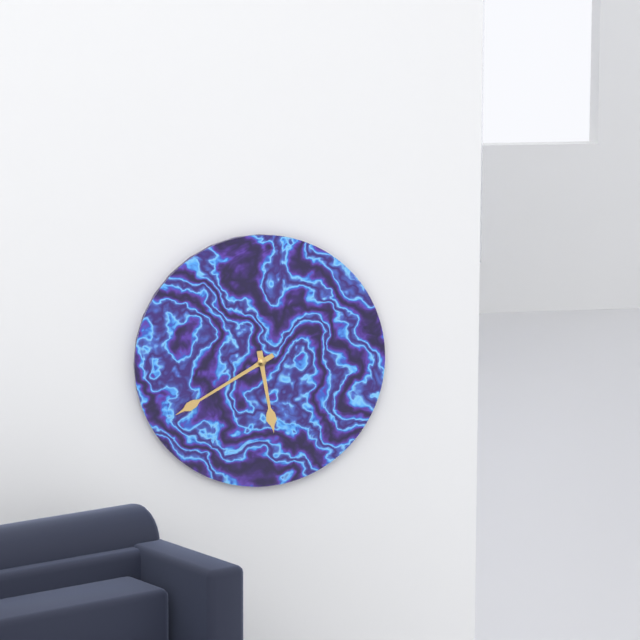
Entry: 5:40
